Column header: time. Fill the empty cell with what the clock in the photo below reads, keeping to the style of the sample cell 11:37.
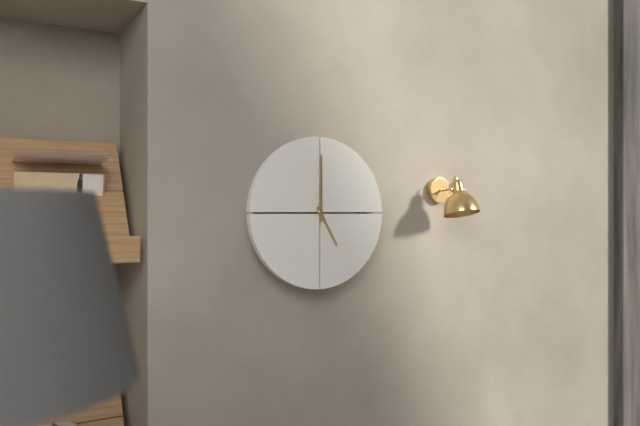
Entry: 5:00
